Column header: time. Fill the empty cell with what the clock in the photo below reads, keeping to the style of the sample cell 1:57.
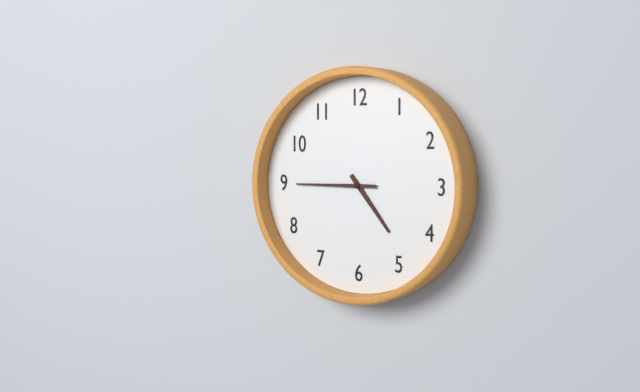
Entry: 4:45
